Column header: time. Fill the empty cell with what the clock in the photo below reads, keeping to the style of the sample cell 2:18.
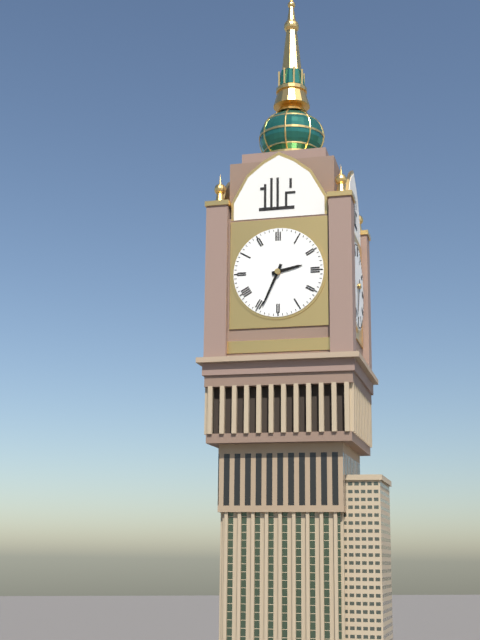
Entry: 2:34
